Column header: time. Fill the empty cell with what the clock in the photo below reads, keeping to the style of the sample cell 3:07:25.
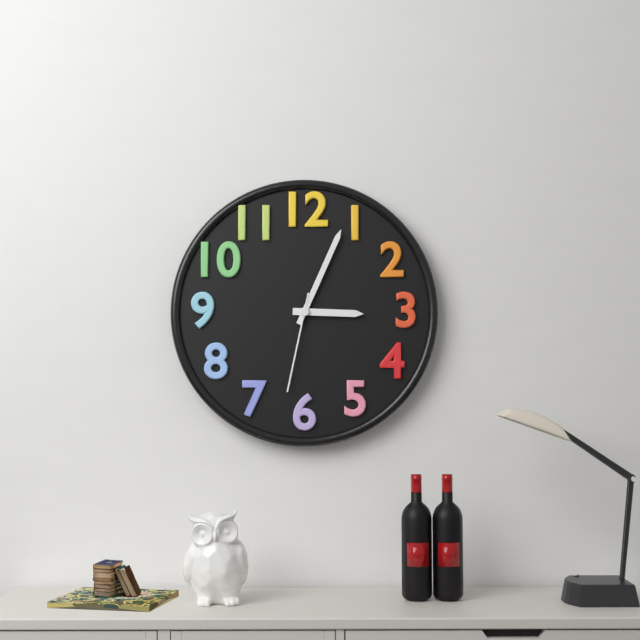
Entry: 3:04:32
